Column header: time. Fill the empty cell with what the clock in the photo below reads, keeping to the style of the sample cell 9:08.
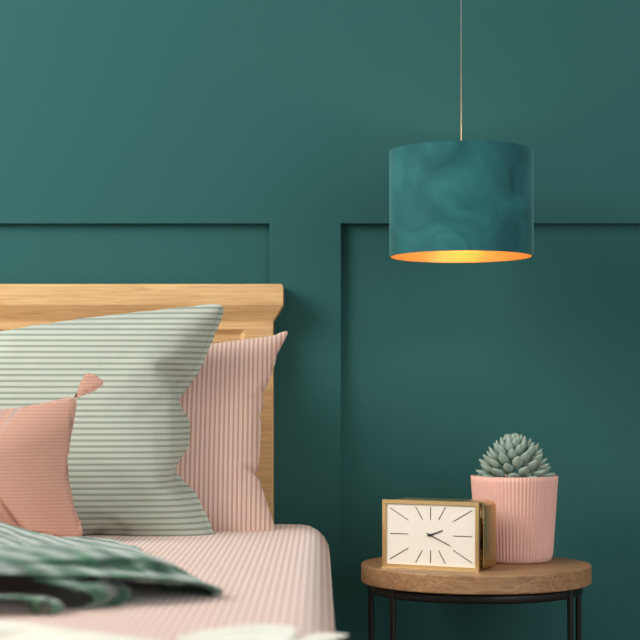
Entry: 2:19
